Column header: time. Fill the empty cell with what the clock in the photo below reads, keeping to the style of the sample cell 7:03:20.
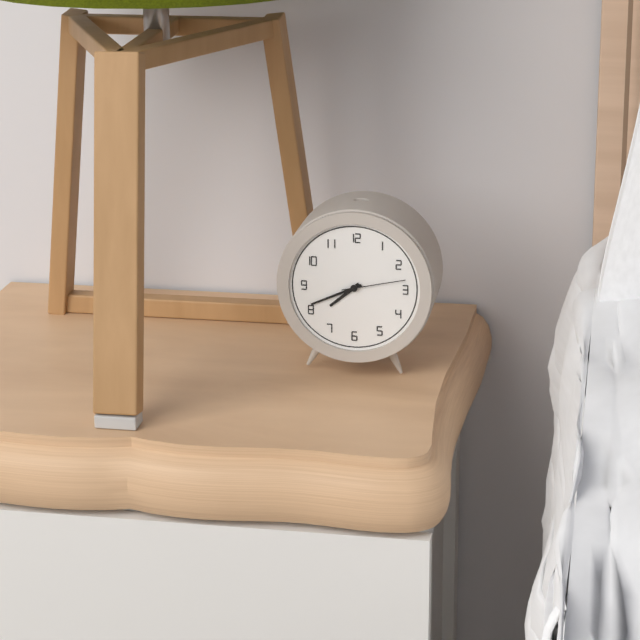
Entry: 7:41:13
